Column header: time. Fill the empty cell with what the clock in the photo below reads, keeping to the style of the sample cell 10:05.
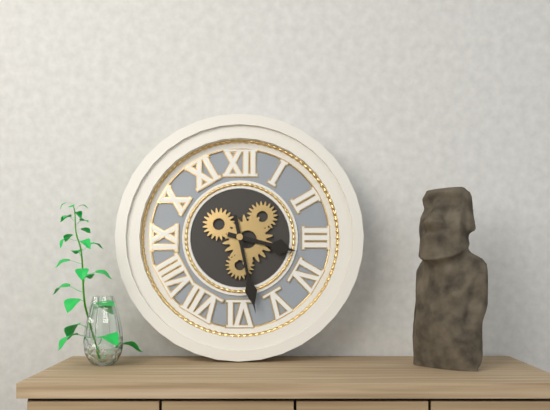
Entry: 3:28
